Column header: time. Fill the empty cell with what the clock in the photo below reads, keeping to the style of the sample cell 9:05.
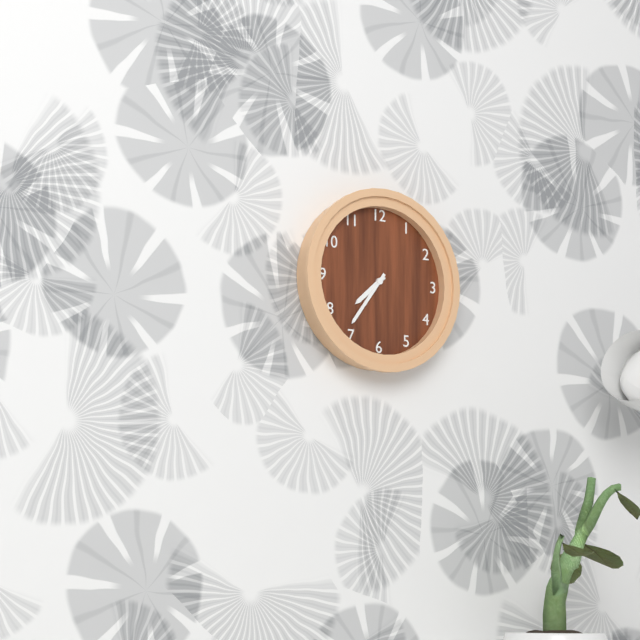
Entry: 7:36
